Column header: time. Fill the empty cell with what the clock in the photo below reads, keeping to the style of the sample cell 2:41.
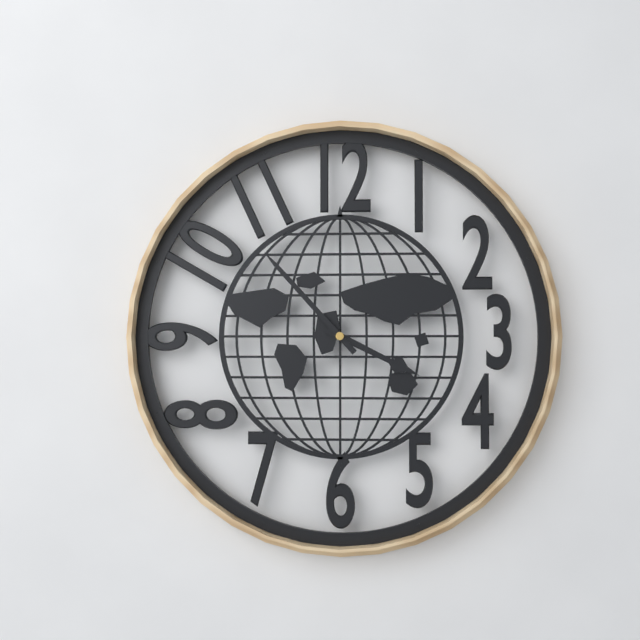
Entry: 3:53
